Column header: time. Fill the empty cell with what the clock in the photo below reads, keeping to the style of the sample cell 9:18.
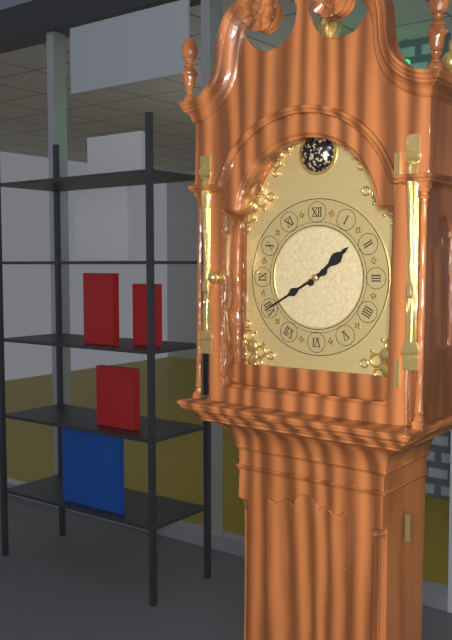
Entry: 1:40
